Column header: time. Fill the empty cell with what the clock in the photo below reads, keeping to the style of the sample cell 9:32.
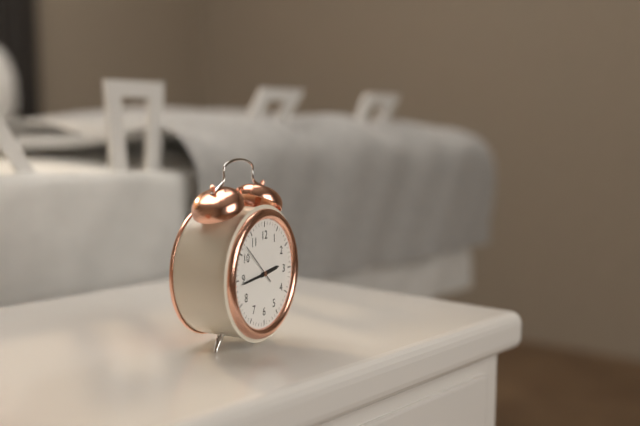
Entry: 2:44
